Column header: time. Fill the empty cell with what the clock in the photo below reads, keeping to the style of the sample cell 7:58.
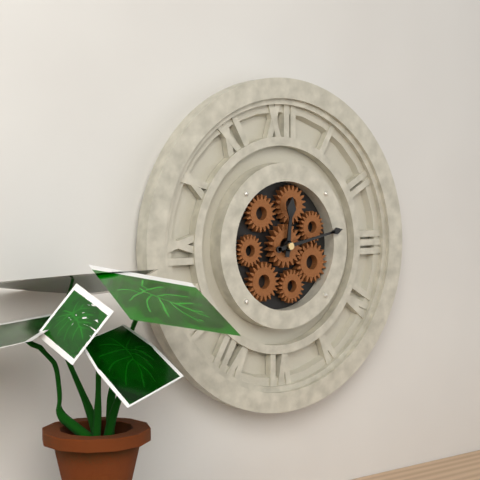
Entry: 12:13
